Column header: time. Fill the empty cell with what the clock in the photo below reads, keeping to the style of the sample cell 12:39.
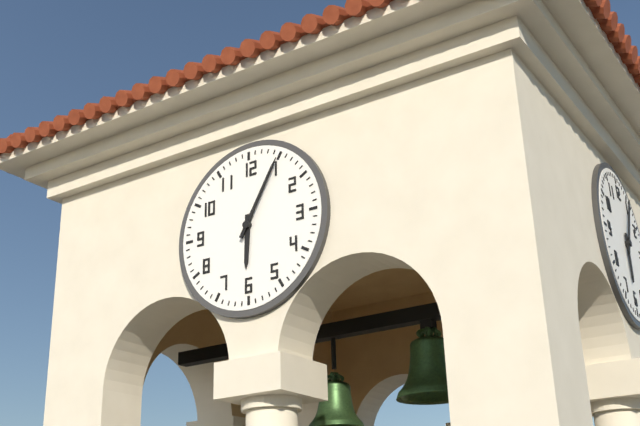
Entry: 6:05
